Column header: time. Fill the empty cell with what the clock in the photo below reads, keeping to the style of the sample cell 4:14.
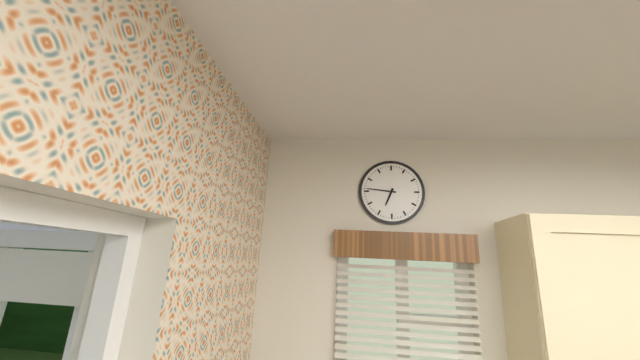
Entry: 6:46
